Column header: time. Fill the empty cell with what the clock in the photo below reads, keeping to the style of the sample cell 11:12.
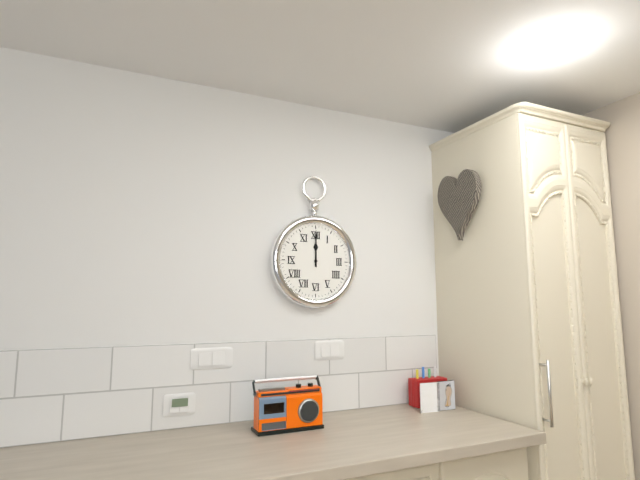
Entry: 12:00
